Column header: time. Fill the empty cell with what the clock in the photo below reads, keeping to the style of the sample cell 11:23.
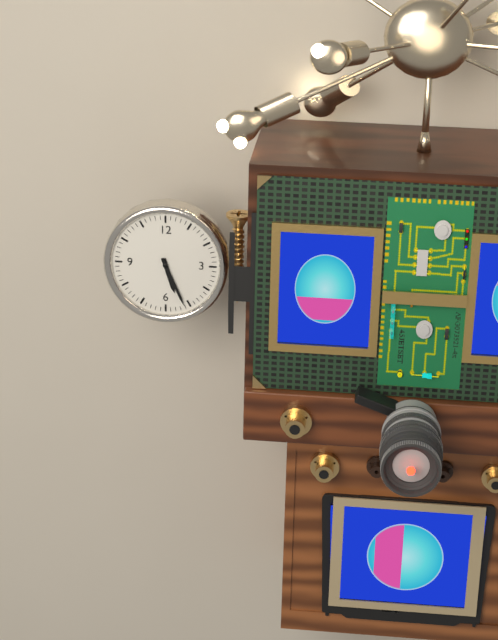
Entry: 5:26
